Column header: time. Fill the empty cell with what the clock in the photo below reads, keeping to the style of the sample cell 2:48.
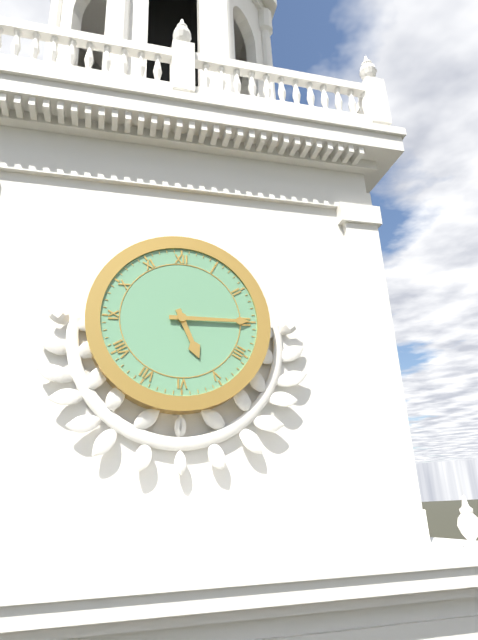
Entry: 5:15
